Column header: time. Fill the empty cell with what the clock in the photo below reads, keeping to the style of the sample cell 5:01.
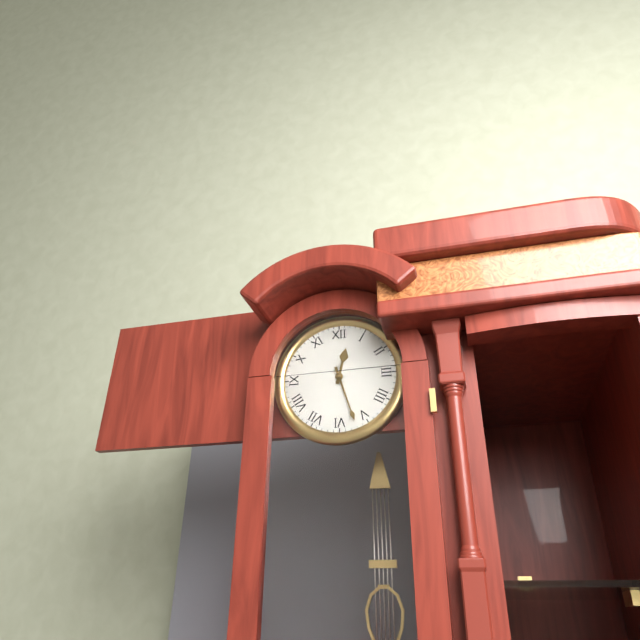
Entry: 12:27
